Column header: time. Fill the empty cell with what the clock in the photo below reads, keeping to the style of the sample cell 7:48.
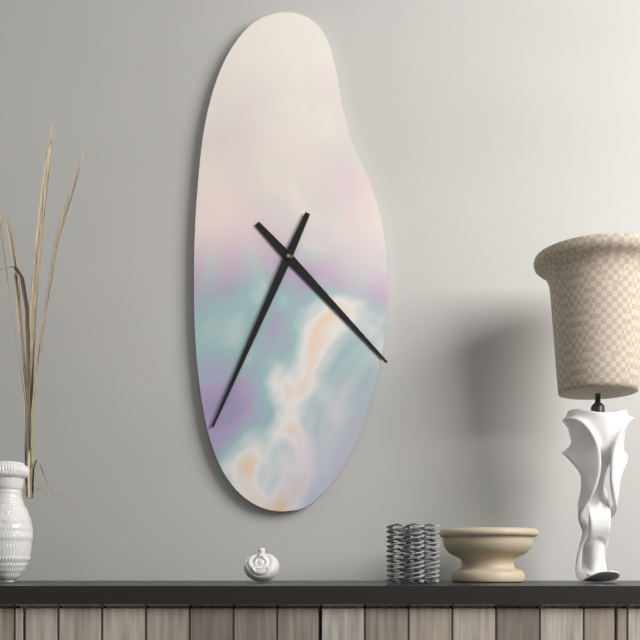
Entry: 4:34
